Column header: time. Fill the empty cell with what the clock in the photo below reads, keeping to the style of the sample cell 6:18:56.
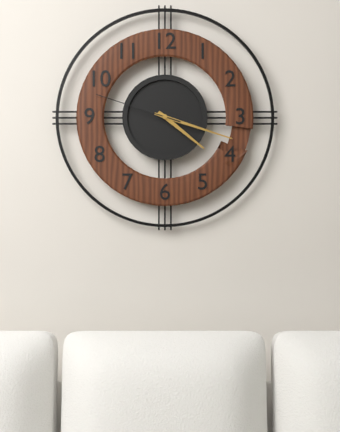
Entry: 4:18:48
